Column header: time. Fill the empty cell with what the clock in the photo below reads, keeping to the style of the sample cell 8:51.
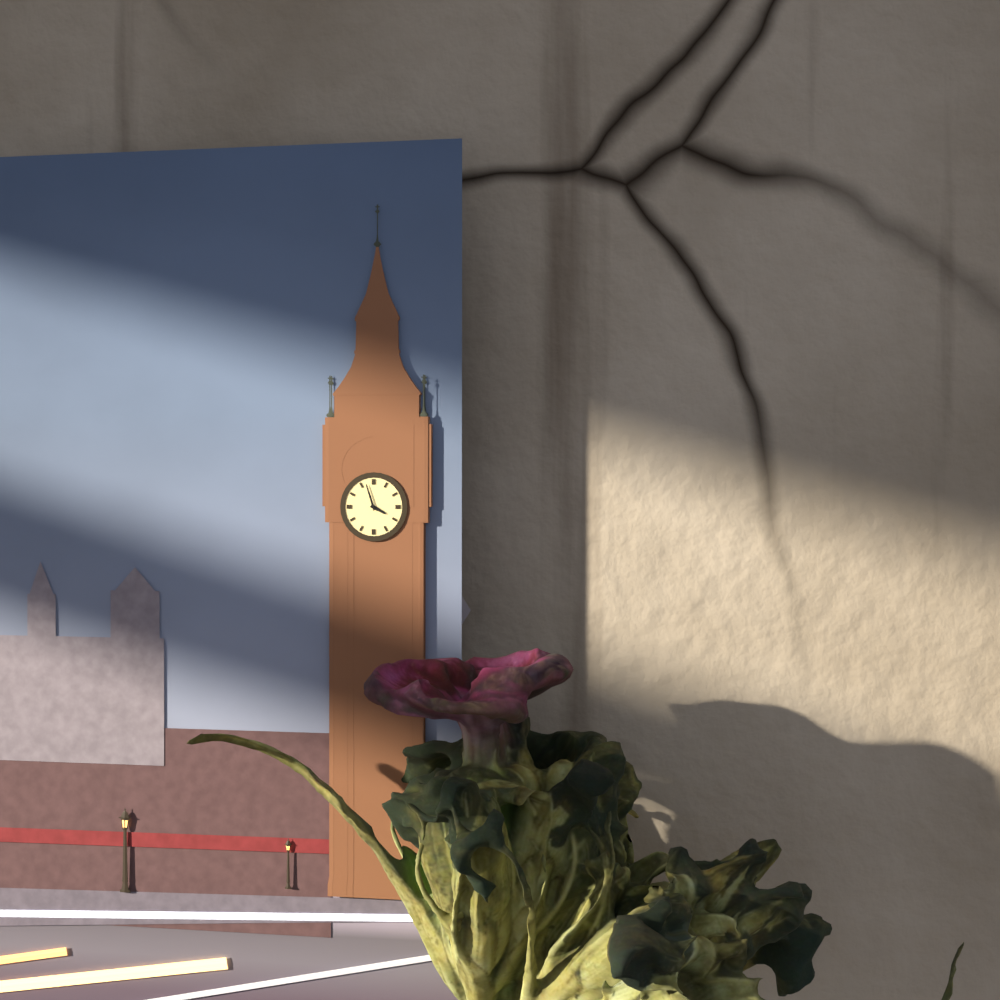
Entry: 3:57
